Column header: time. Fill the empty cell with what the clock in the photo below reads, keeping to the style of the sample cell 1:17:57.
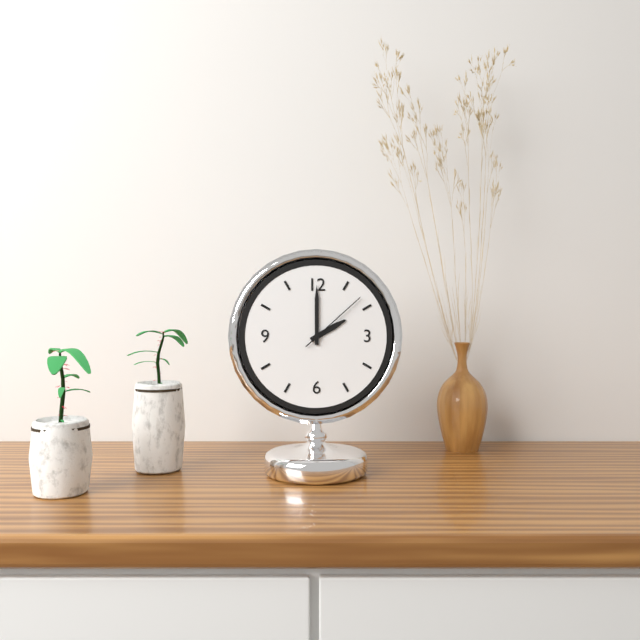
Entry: 2:00:08
